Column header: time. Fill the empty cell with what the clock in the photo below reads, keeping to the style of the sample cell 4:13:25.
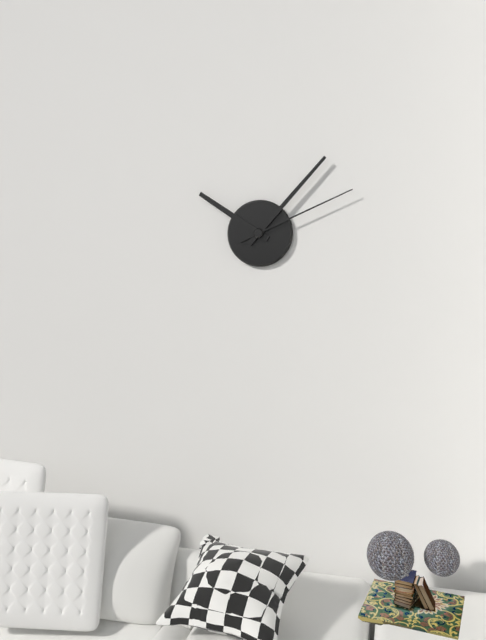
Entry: 10:07:11
